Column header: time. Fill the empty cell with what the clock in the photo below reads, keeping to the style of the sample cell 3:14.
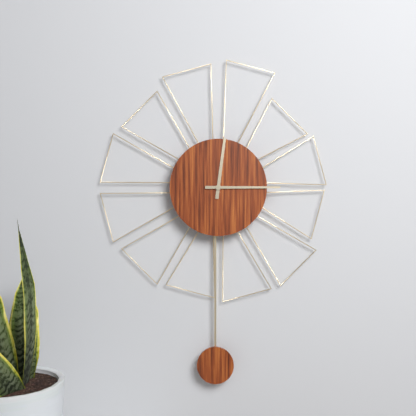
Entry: 12:15
